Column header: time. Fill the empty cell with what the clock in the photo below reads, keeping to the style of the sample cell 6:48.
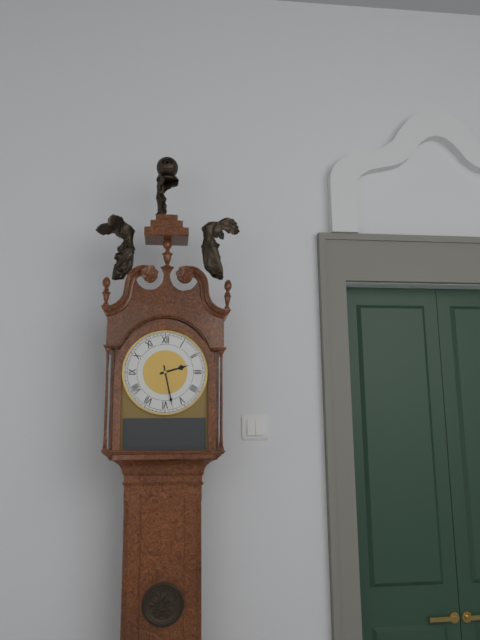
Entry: 2:28
